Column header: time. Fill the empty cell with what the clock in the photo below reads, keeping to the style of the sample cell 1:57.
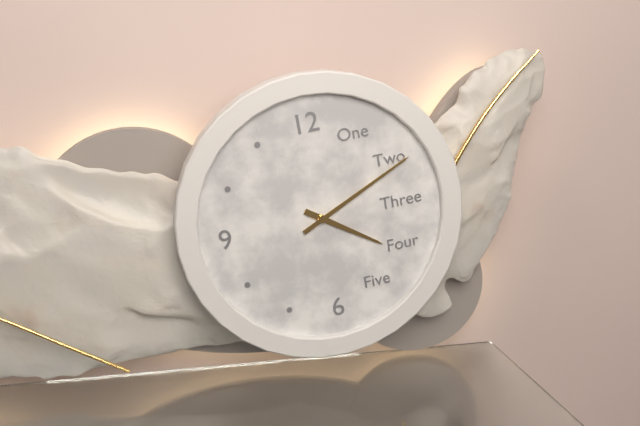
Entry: 4:11
